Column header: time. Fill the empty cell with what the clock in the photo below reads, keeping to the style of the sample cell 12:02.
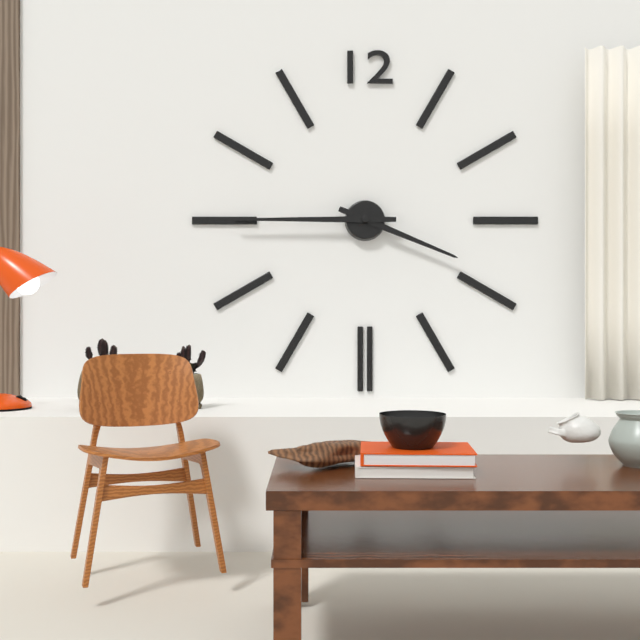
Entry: 3:45
